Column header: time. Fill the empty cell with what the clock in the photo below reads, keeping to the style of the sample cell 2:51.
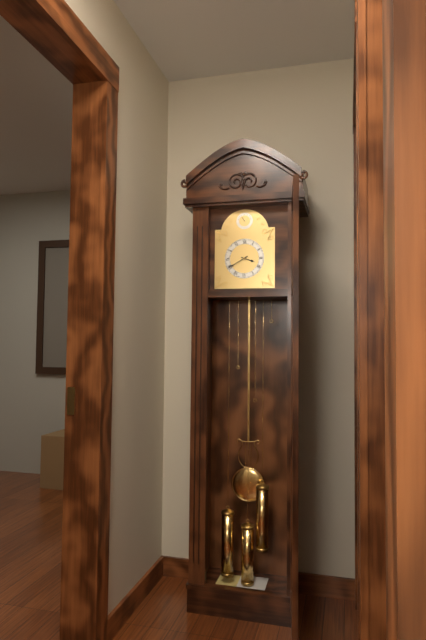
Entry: 3:40
